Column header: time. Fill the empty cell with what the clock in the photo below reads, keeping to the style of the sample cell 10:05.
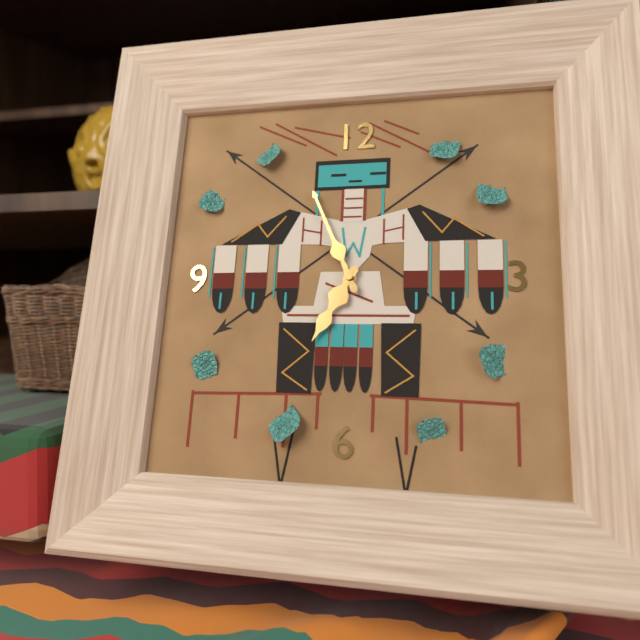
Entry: 6:56
